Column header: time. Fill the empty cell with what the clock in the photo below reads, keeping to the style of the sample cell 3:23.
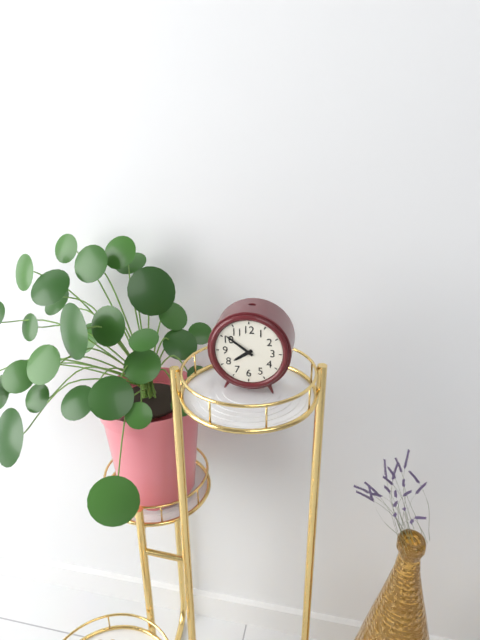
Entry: 7:51
